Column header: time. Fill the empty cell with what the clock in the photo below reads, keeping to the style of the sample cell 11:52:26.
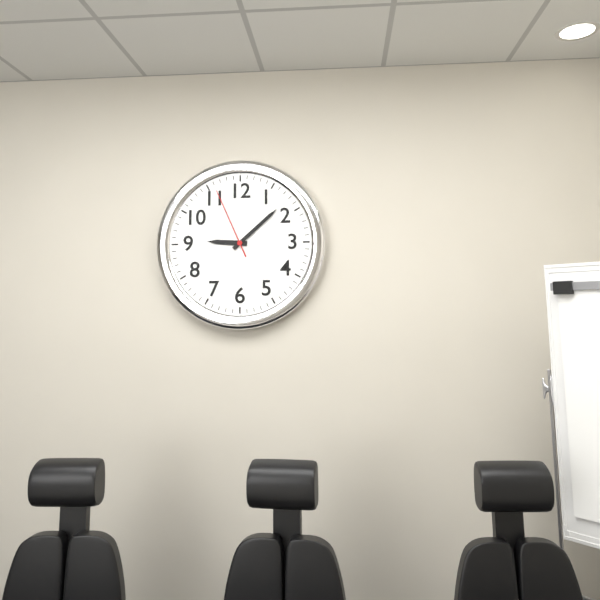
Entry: 9:08:56
